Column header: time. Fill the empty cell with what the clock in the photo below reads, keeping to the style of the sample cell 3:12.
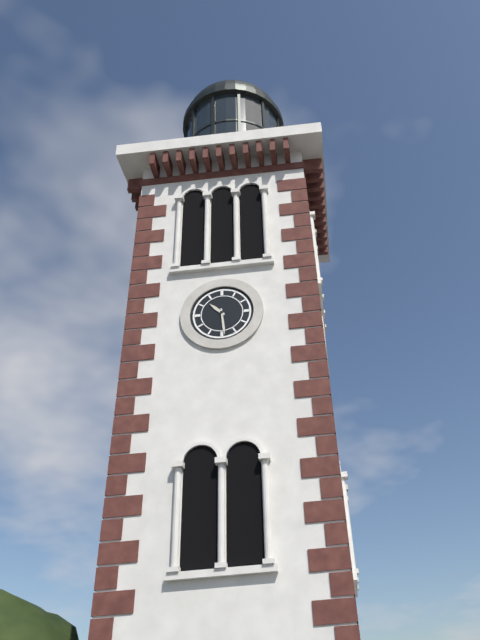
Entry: 10:29
